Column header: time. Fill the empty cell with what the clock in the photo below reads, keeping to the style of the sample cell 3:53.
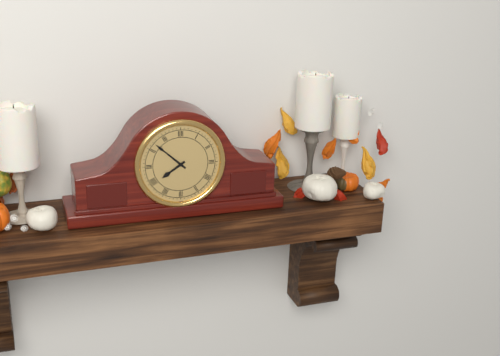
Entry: 7:52
